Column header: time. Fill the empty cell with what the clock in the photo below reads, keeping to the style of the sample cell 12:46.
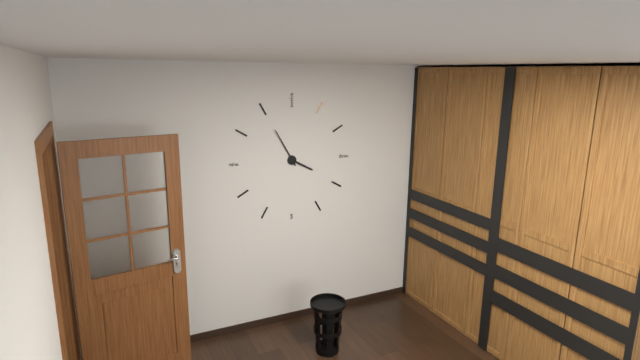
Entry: 3:55
